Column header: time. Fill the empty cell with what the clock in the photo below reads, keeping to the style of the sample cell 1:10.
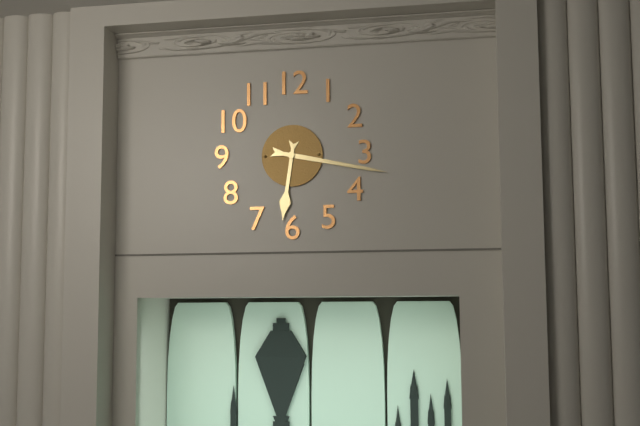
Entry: 6:17
